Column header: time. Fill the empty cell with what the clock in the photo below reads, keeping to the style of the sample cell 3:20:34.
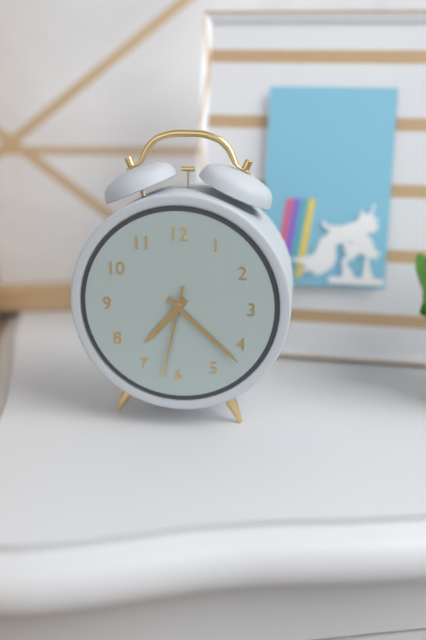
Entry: 7:22:32
